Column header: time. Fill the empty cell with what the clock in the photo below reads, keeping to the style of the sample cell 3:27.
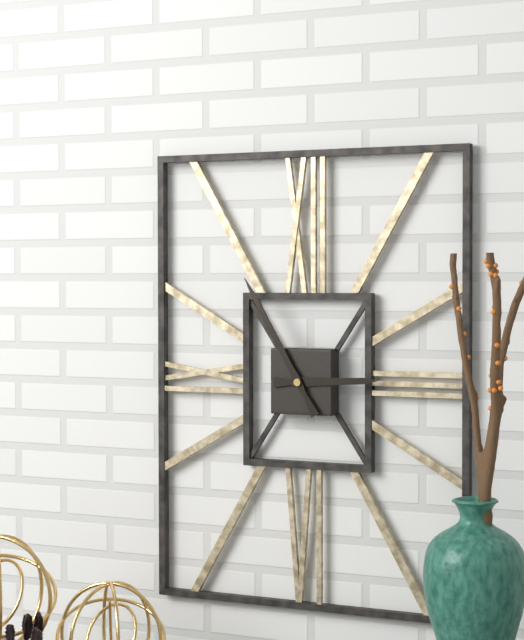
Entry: 2:55
